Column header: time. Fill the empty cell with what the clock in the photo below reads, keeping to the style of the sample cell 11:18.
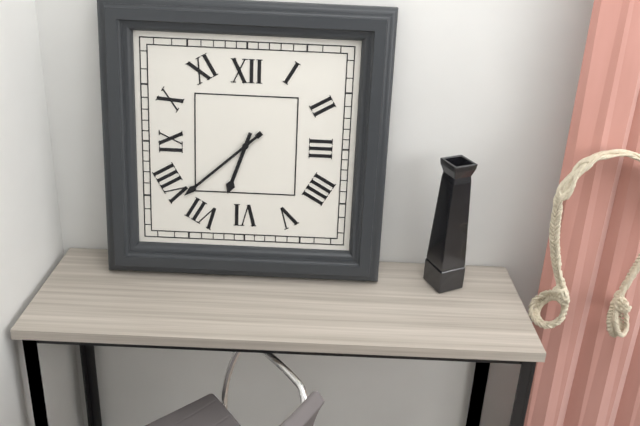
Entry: 6:38
